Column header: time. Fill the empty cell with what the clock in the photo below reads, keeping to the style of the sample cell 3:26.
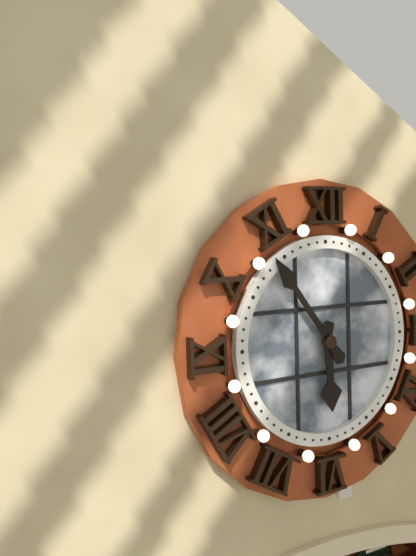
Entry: 5:54
